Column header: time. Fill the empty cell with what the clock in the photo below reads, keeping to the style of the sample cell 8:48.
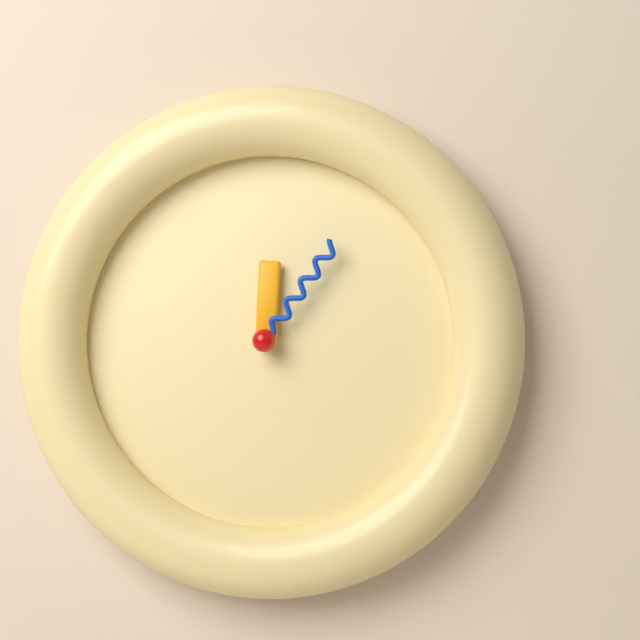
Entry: 12:06
